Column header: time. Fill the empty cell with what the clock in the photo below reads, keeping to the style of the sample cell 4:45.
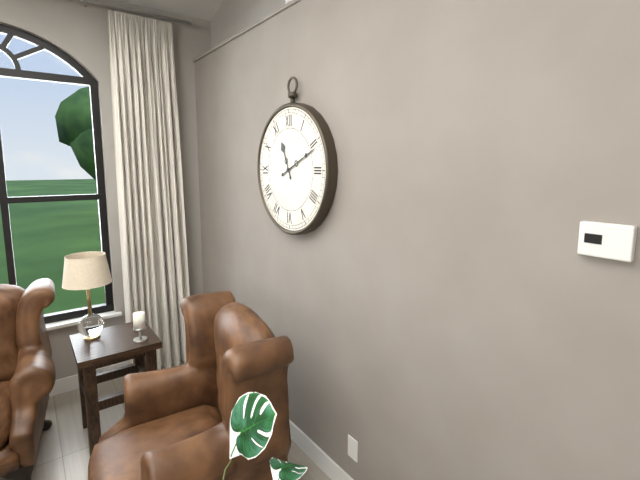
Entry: 11:11
